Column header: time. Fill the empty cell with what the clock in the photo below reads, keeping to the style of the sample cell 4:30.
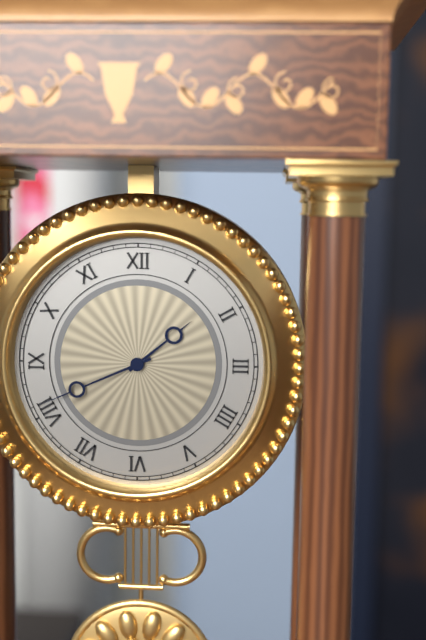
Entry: 1:41
